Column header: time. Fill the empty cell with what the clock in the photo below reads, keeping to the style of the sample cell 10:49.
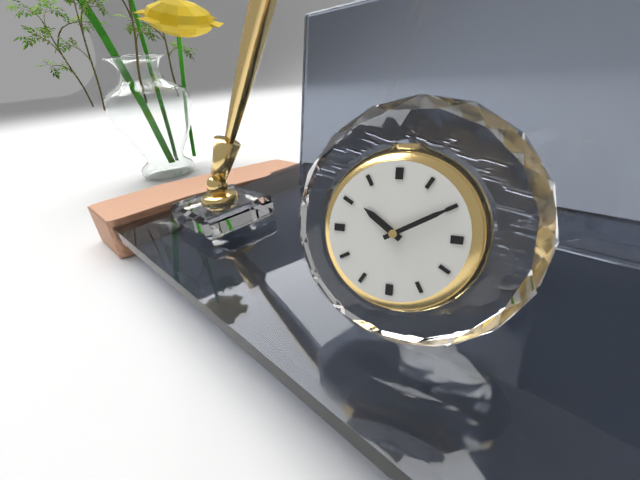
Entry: 10:10
